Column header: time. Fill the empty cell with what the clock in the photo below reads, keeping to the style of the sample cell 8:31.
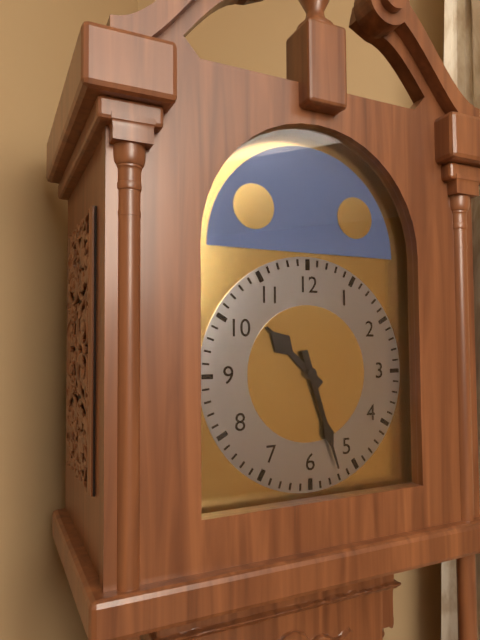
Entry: 10:27
